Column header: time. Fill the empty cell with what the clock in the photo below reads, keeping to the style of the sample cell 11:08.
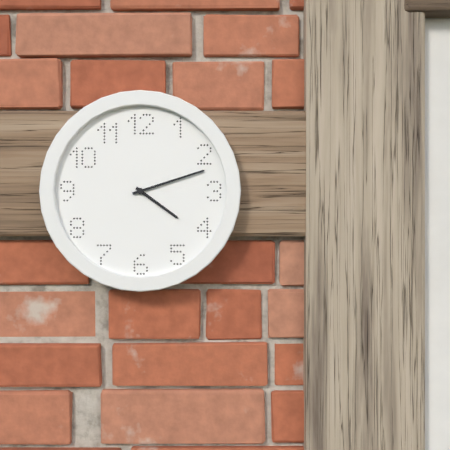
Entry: 4:12
